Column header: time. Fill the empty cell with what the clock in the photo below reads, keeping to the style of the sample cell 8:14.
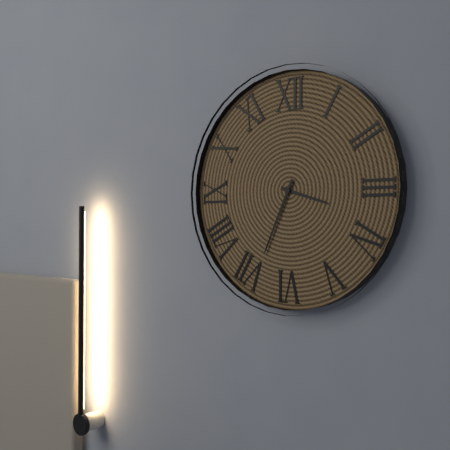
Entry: 3:34
